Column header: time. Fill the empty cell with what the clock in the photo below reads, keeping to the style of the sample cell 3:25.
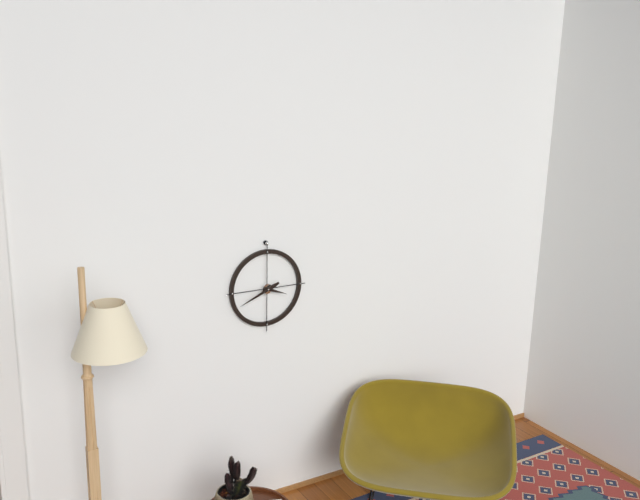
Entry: 3:41
